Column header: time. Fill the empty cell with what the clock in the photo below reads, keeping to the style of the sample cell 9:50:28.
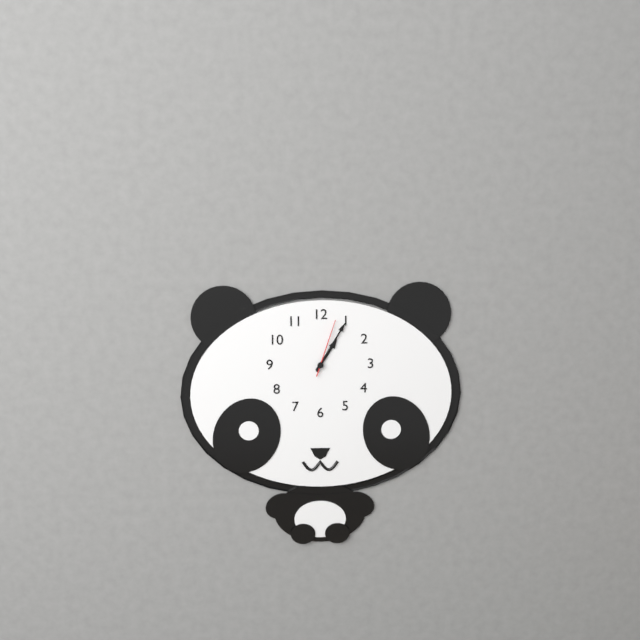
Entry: 1:05:03
